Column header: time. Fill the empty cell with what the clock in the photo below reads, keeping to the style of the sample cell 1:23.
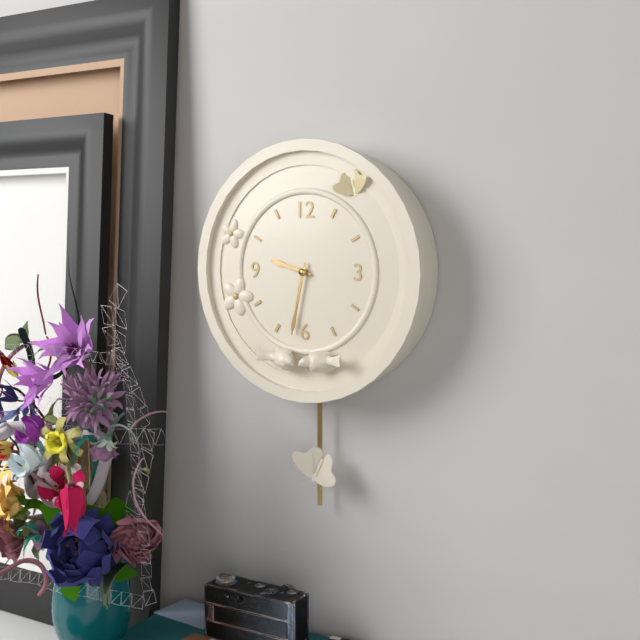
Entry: 9:32
